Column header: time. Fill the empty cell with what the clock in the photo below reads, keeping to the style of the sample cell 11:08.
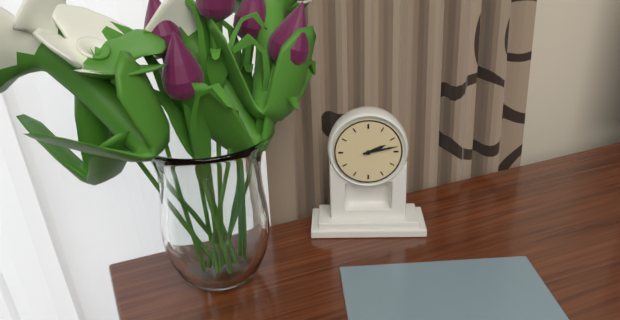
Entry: 2:13
